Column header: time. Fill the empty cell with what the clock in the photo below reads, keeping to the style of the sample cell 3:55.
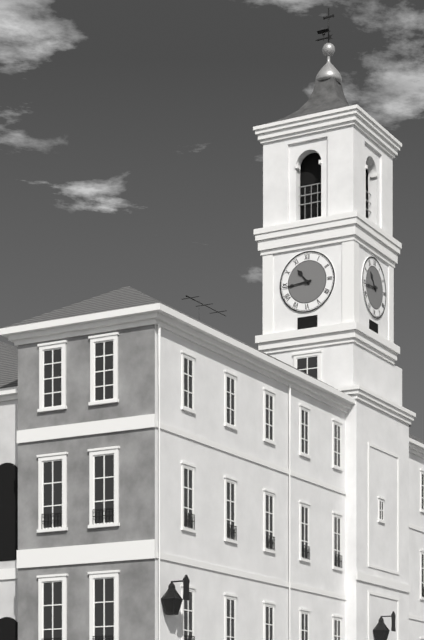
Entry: 10:44
